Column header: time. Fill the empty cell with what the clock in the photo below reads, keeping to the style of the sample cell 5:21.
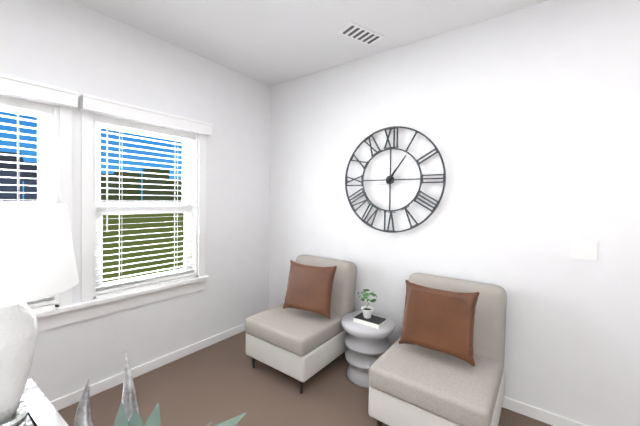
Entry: 1:06
